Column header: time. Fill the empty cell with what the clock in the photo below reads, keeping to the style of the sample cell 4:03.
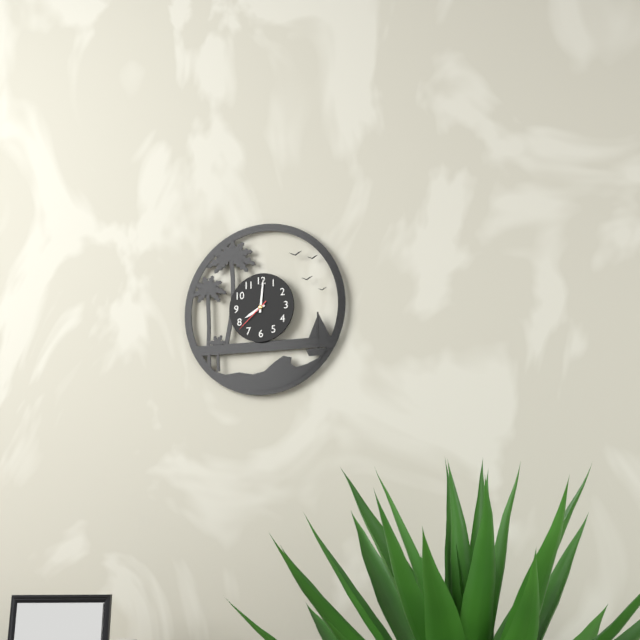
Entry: 8:01
